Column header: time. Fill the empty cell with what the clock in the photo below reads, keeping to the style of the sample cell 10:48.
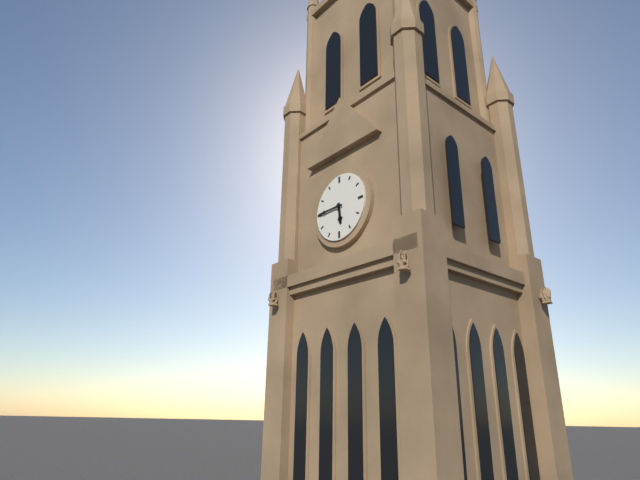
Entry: 5:45
